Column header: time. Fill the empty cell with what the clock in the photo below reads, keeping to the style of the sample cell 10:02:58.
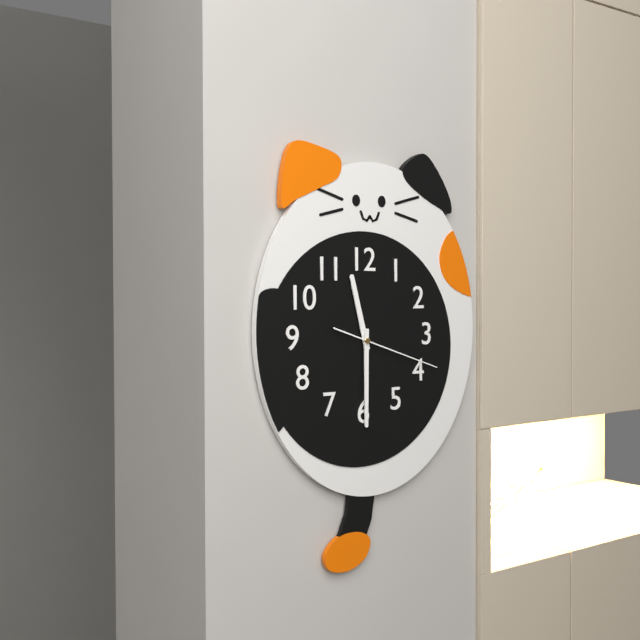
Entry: 11:30:18
